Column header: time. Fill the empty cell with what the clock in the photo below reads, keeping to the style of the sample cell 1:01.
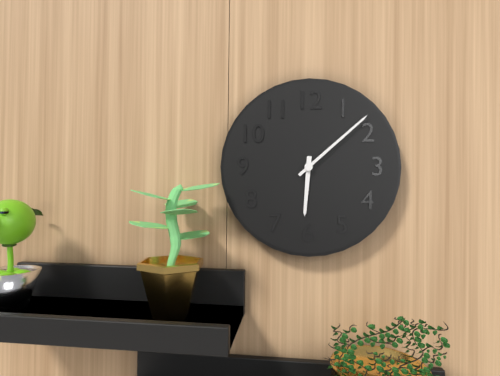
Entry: 6:08
